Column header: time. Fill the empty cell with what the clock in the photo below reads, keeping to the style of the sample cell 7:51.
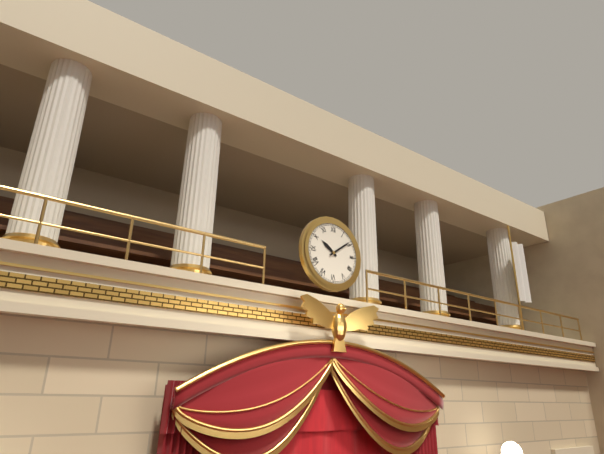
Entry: 10:09
